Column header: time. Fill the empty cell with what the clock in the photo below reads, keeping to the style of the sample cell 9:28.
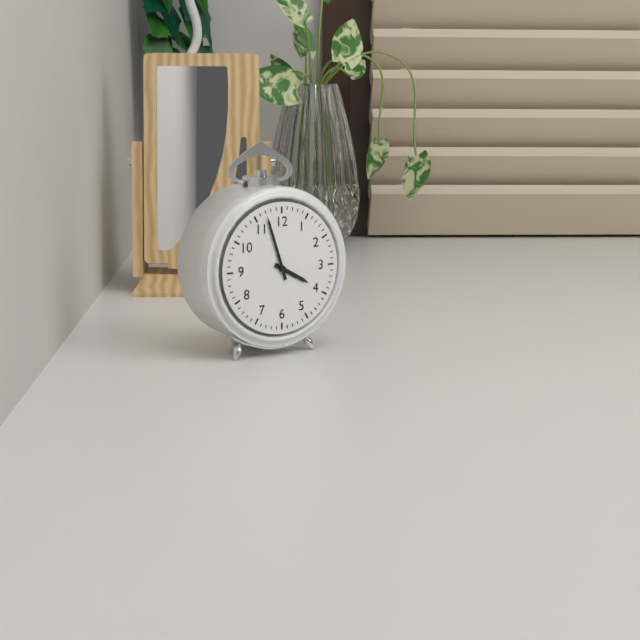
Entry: 3:57
